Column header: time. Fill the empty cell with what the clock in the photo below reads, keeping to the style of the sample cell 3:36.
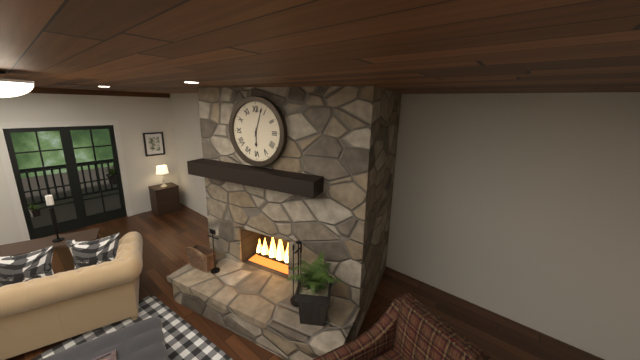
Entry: 6:03
